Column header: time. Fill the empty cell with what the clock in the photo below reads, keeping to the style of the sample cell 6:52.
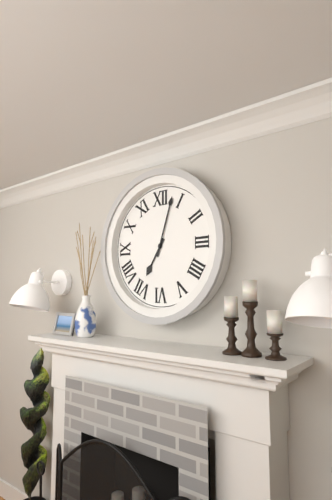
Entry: 7:03
